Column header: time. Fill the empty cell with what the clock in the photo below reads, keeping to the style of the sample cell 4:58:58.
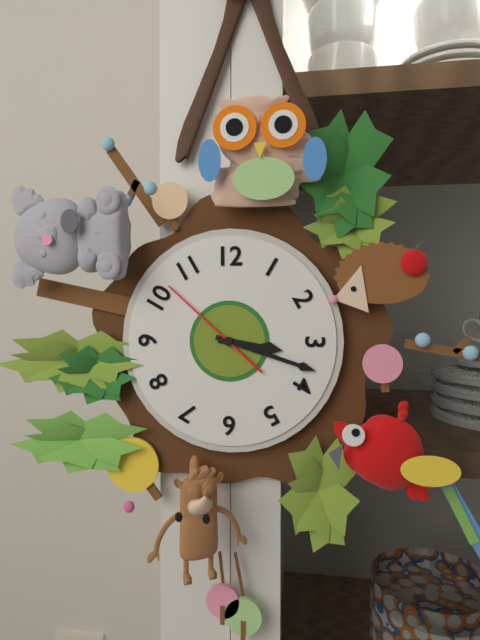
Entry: 3:18:52
